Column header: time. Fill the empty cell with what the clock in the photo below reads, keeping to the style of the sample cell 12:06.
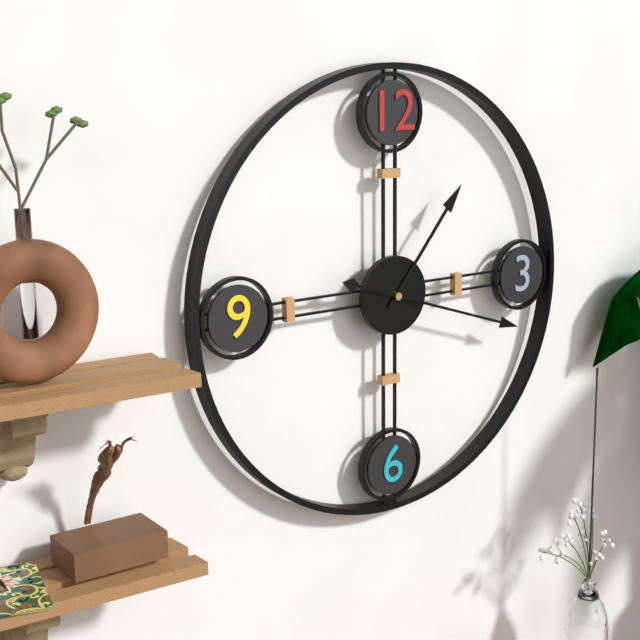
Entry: 1:18
